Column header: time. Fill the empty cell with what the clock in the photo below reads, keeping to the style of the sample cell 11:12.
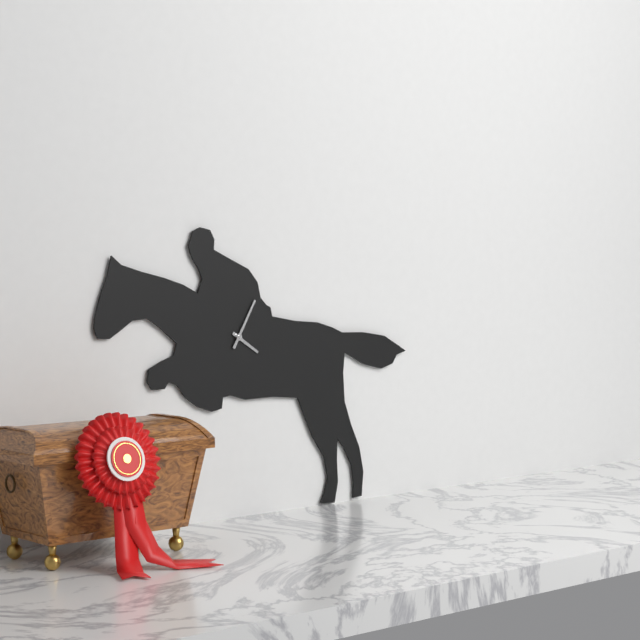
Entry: 4:05
